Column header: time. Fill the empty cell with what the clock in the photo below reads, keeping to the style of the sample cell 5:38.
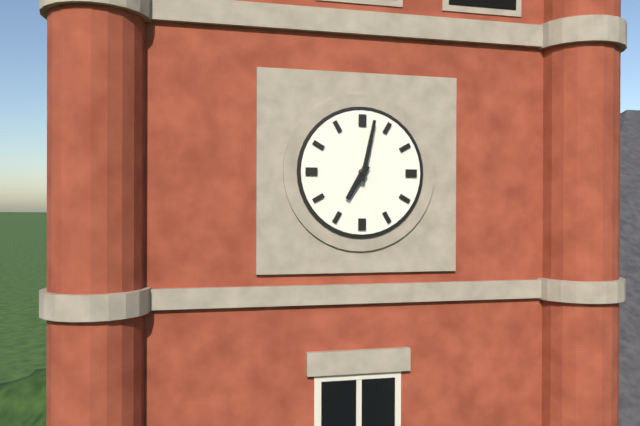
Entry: 7:02
